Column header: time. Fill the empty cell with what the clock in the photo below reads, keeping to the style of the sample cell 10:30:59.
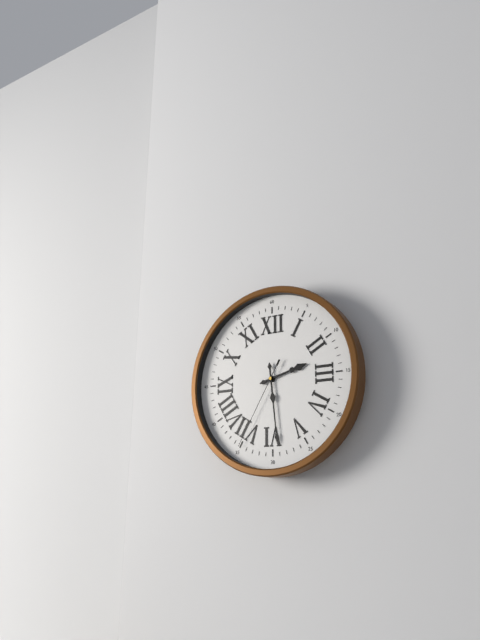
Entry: 2:29:35
